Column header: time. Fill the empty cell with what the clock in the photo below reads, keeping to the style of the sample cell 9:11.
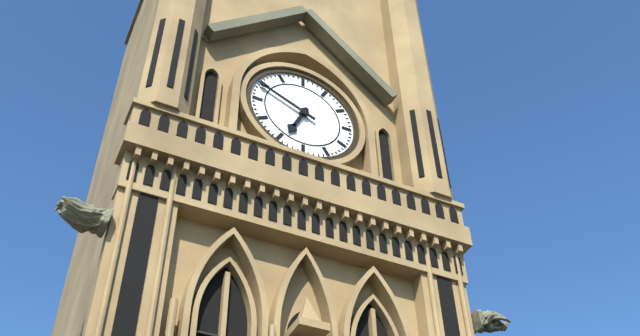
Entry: 6:49
